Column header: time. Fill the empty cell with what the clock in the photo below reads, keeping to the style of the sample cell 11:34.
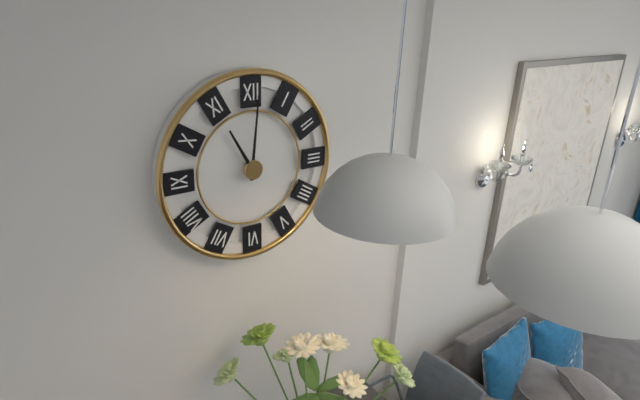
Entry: 11:01
